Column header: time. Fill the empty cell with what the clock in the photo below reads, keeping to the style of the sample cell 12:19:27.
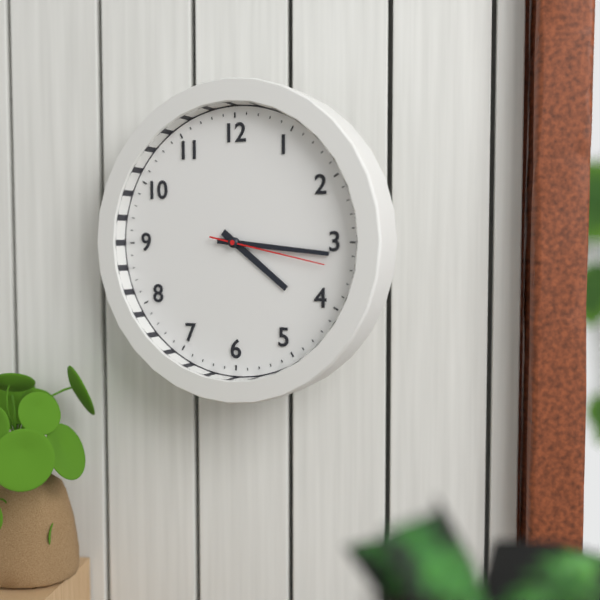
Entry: 4:16:17
